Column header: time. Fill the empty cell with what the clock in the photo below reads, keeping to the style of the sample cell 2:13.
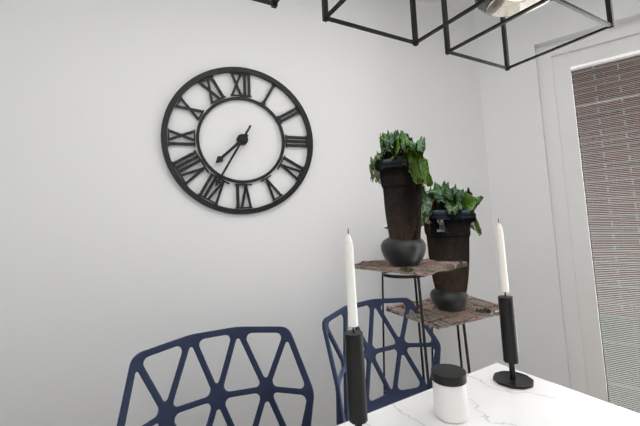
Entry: 7:35
